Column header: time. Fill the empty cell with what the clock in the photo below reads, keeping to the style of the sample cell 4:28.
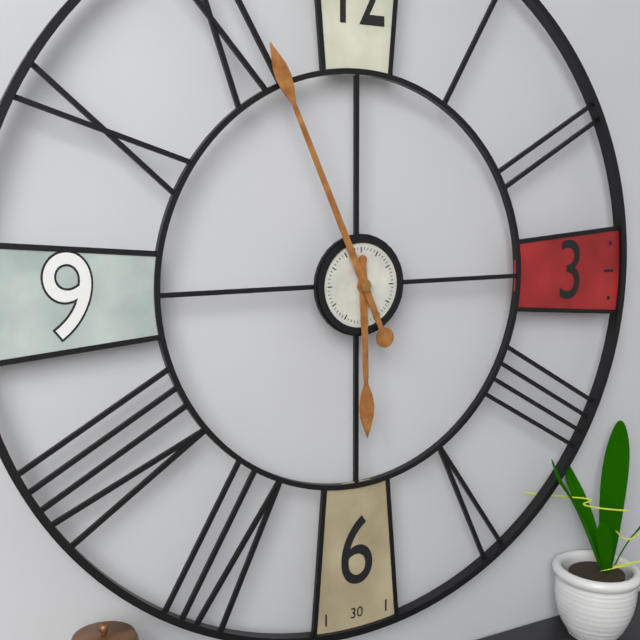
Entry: 5:56
